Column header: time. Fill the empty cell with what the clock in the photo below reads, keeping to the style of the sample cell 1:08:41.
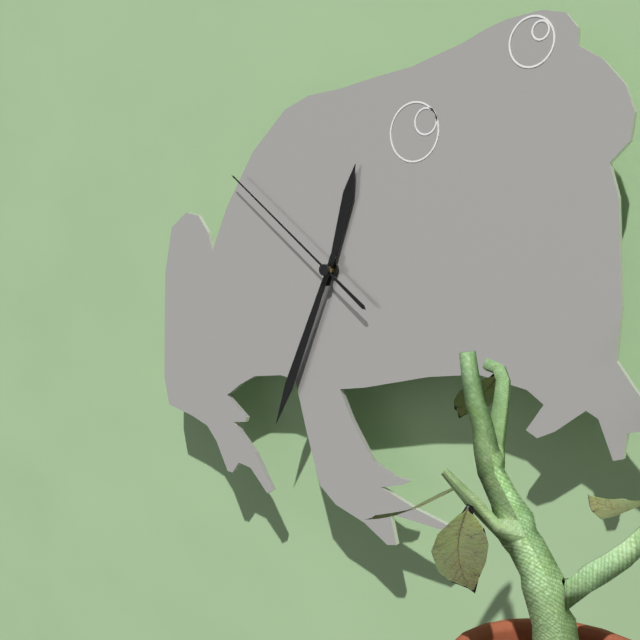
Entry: 12:34:51
